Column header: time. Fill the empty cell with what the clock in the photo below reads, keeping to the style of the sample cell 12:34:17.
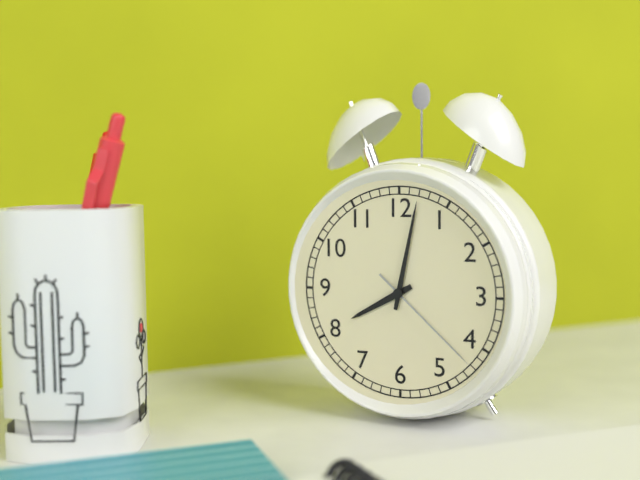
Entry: 8:02:22
